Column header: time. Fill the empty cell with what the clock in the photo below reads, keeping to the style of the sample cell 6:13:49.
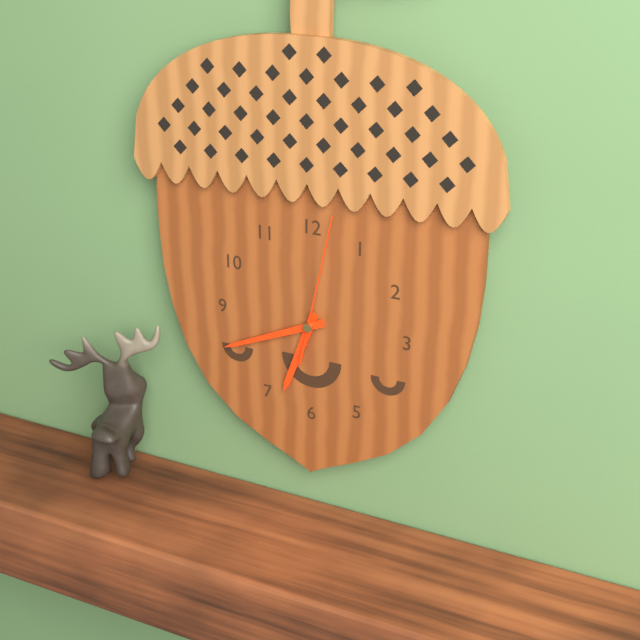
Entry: 6:41:02
